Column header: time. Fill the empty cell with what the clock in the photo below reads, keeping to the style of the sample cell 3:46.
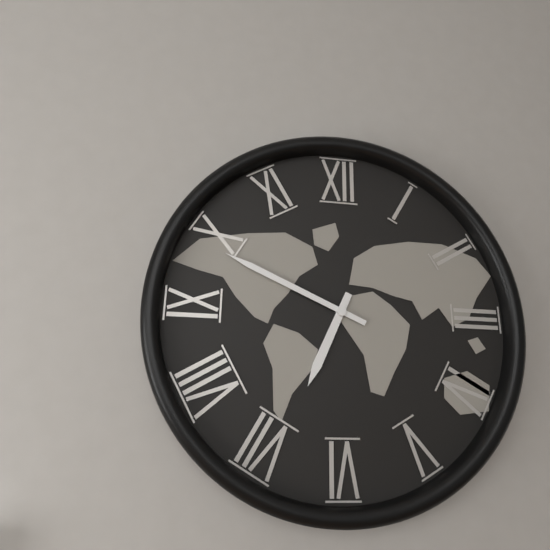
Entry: 6:49
